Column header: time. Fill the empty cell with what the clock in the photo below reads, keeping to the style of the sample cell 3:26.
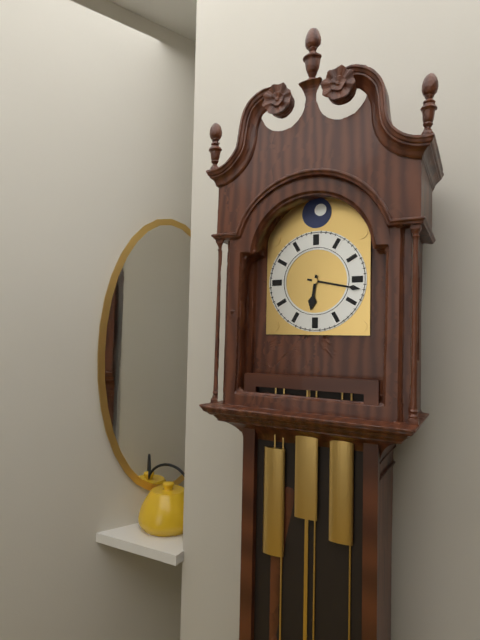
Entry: 6:17
